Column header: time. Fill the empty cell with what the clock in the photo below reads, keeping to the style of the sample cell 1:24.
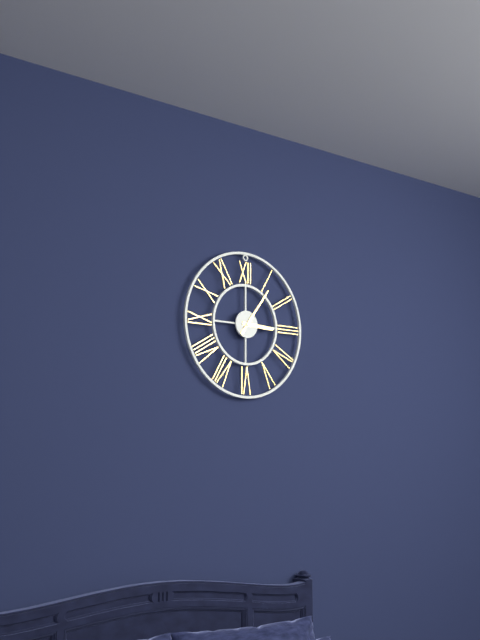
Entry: 3:06
